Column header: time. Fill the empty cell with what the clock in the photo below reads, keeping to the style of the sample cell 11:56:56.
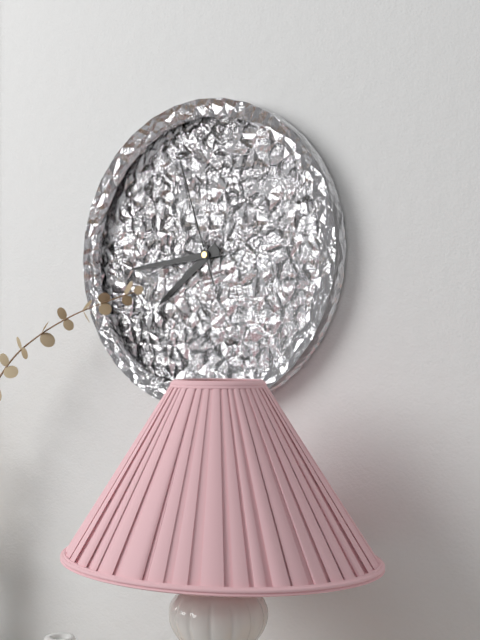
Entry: 7:44:57
